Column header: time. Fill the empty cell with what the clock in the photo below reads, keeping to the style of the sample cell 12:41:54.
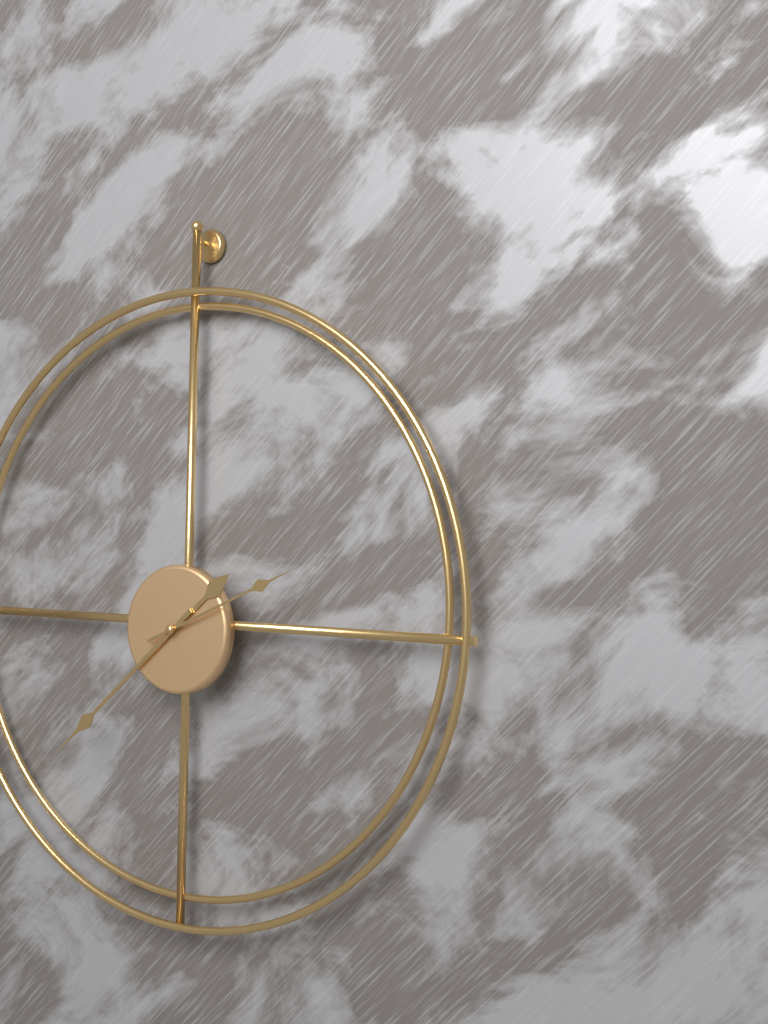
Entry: 1:38:11
